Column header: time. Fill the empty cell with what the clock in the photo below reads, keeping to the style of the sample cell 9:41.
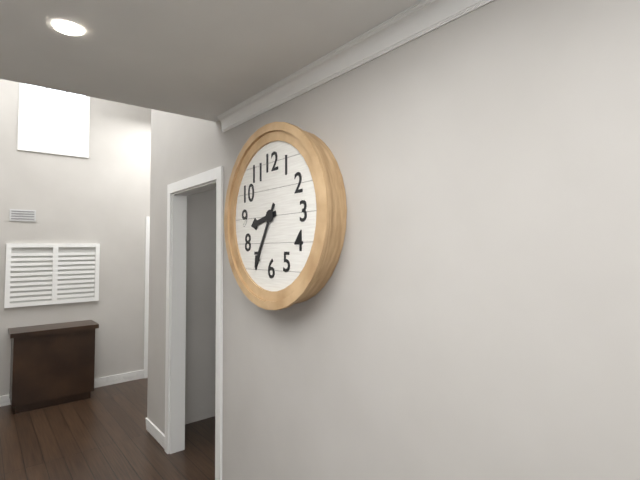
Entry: 8:35
